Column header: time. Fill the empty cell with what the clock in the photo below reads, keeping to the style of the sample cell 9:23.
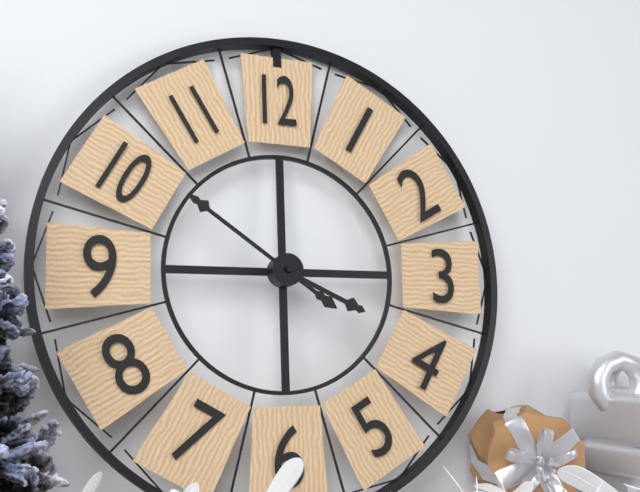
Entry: 3:51
